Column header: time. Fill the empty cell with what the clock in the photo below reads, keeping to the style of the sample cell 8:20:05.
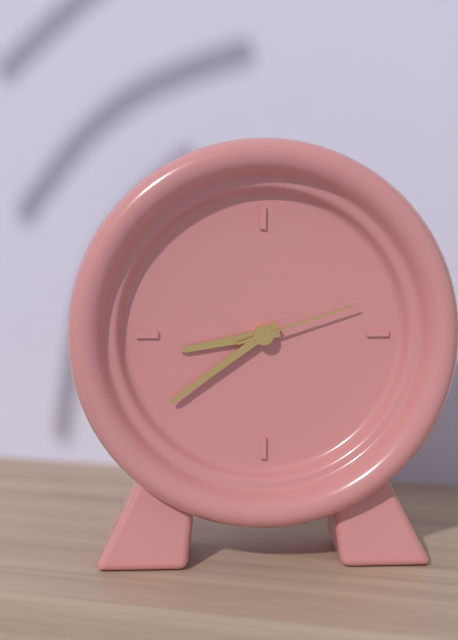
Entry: 8:39:12
